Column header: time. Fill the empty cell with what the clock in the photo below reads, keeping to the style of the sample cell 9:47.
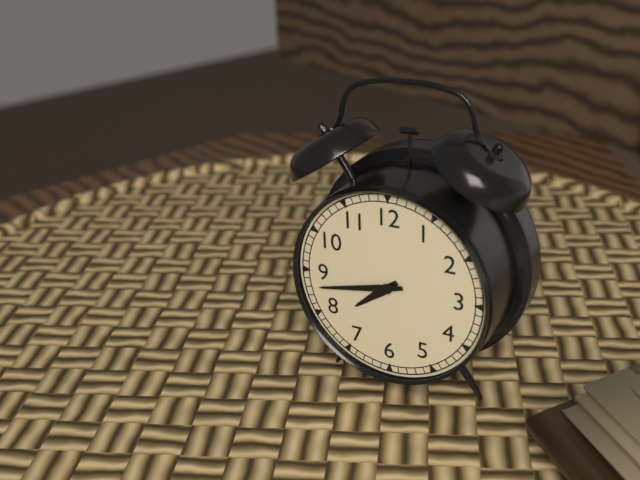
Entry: 7:43
